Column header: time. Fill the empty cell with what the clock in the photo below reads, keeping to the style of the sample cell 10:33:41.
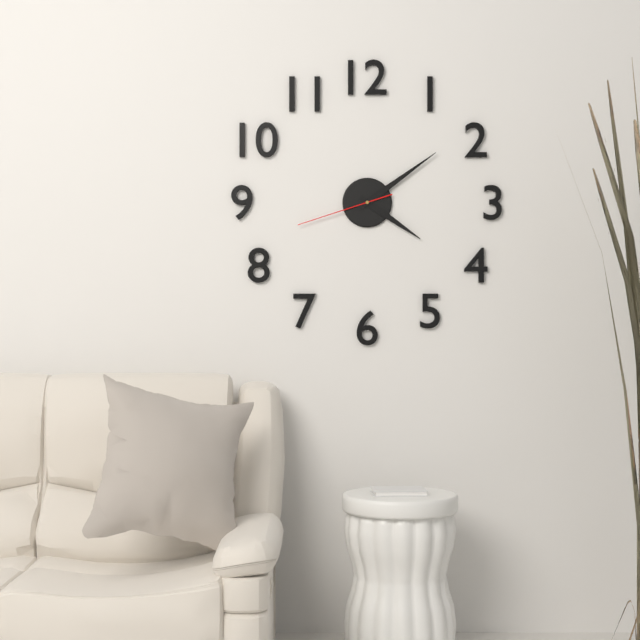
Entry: 4:09:42
